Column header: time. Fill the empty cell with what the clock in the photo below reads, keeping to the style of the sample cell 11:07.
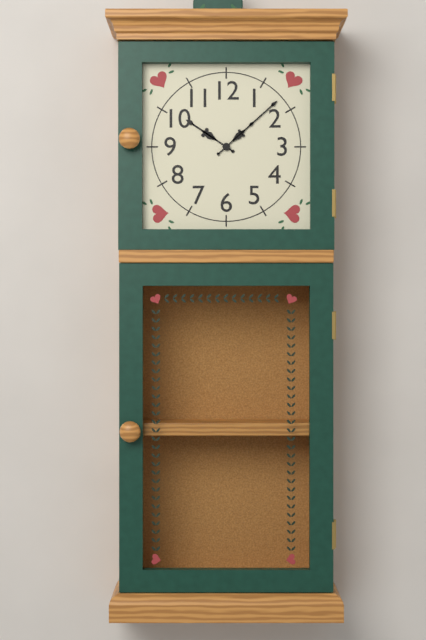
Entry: 10:08
